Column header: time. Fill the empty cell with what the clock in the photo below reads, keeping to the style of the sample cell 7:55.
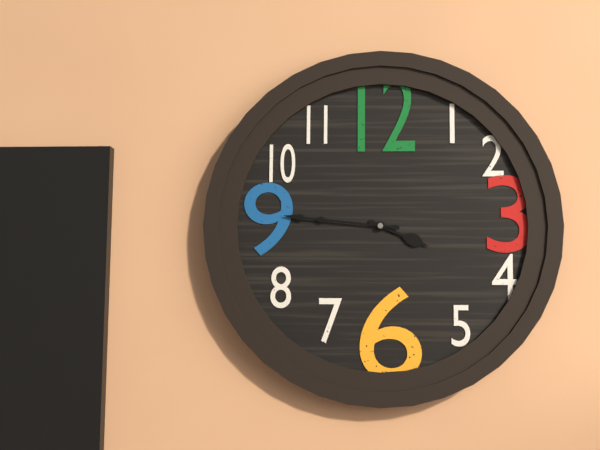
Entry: 3:46
